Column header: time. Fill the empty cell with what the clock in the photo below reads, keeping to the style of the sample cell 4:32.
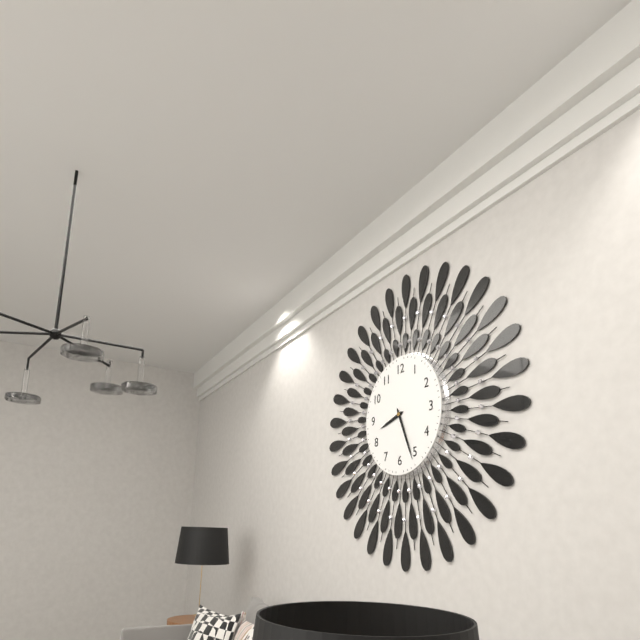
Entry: 8:26
